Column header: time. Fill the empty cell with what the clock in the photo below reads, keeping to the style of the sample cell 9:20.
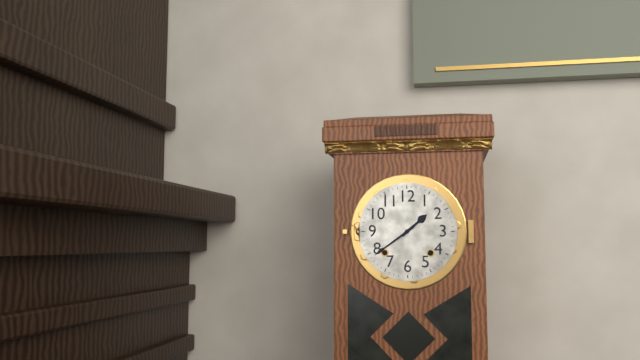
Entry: 1:39
